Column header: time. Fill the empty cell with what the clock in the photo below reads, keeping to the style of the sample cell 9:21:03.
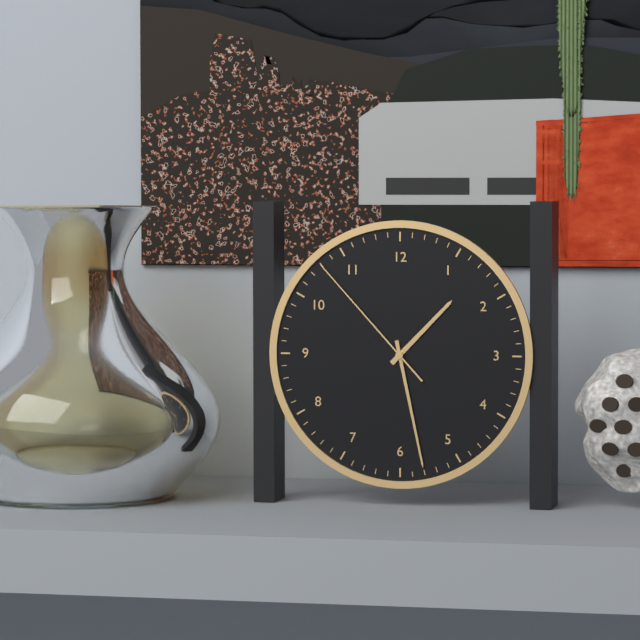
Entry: 1:28:53
